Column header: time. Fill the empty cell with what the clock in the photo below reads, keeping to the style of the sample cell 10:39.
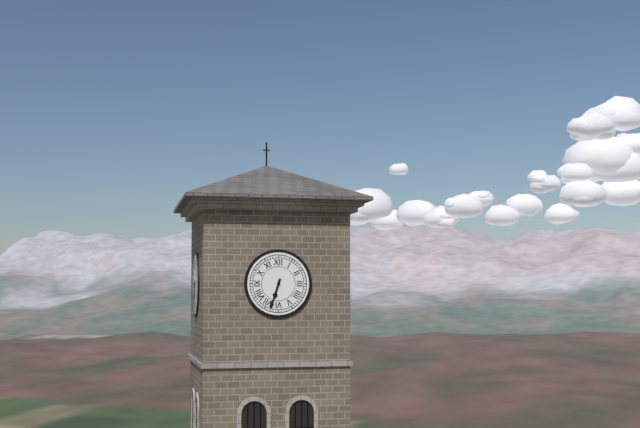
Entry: 6:33
